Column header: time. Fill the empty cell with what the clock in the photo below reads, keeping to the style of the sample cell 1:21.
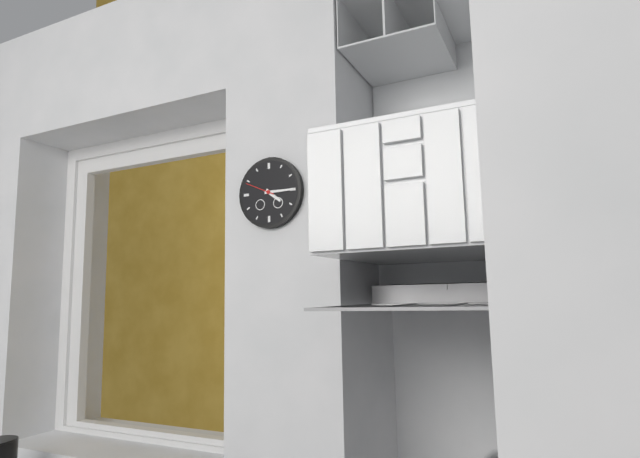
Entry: 4:15
